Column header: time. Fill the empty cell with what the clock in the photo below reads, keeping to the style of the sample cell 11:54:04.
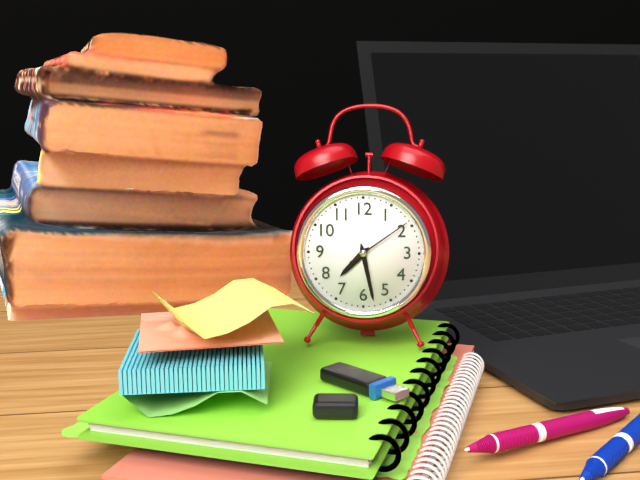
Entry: 7:28:09
